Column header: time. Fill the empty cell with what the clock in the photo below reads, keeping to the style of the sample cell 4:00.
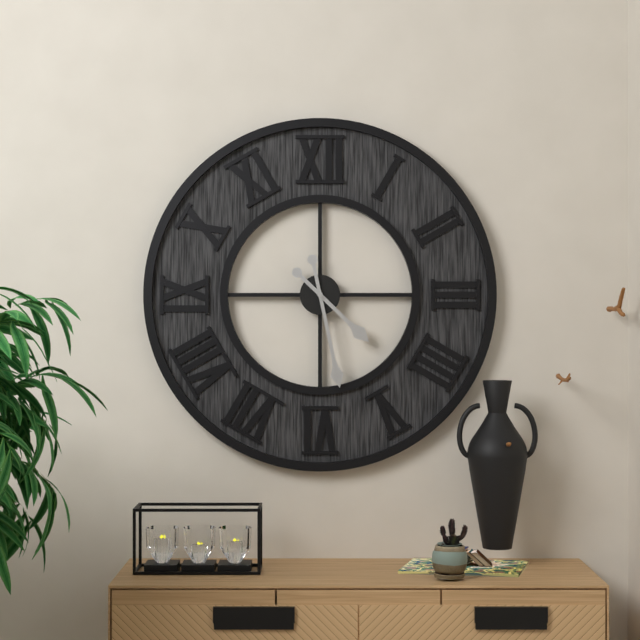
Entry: 4:28
